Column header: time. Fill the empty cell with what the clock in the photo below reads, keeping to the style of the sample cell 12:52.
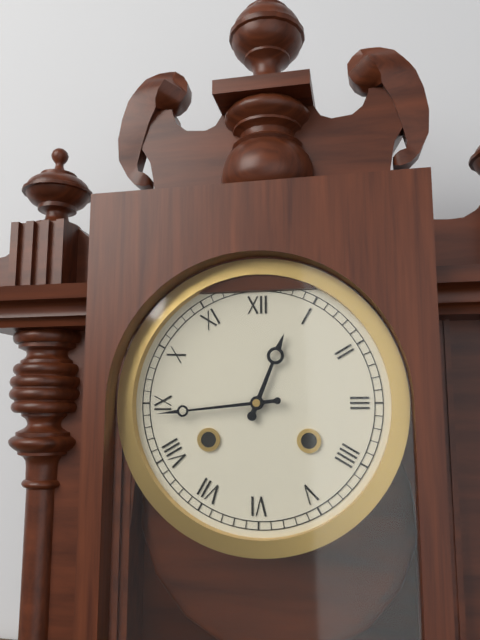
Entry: 12:44
